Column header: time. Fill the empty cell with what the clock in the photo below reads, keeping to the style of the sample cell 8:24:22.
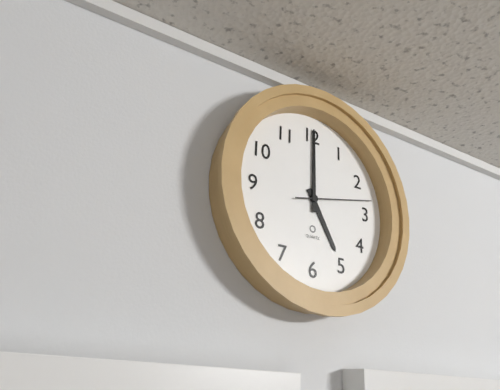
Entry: 5:00:13
